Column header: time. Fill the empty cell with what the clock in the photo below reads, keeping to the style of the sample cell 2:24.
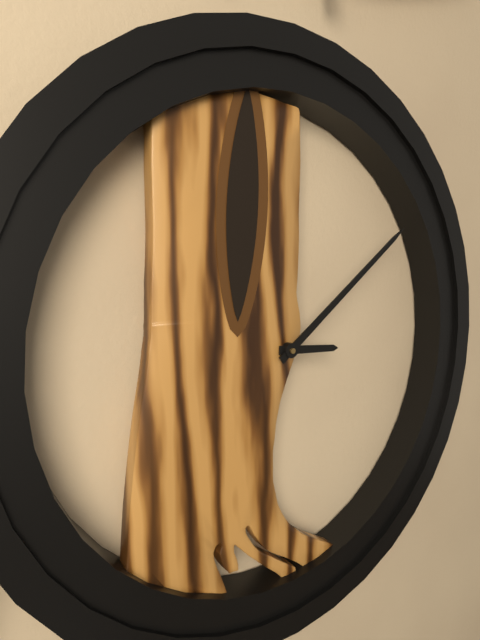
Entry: 3:09
